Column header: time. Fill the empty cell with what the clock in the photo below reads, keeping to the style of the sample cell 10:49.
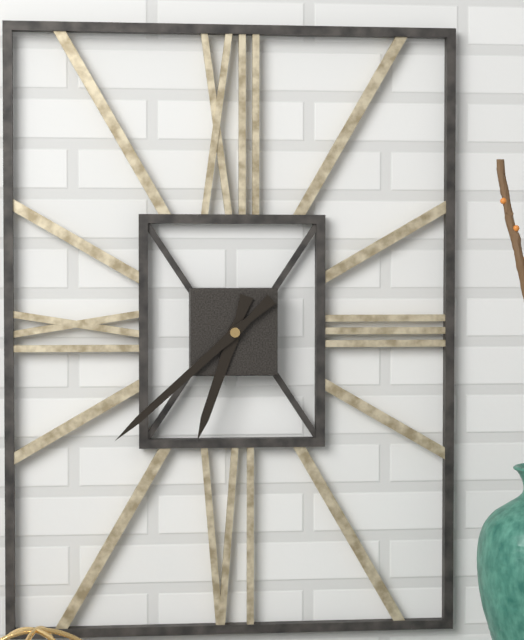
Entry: 6:38
